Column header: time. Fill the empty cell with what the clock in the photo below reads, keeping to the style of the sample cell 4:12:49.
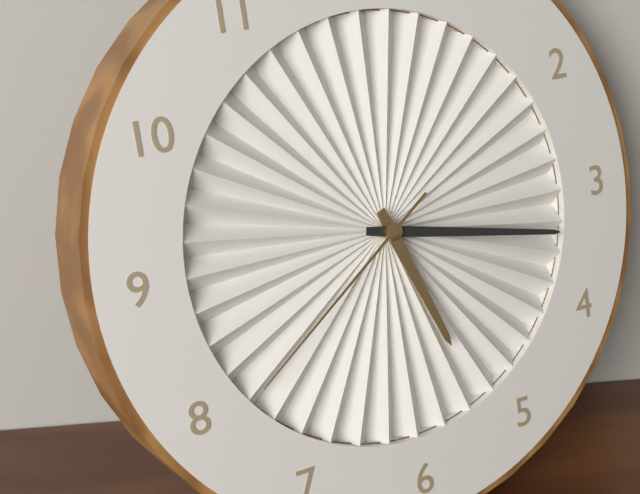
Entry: 5:17:39
